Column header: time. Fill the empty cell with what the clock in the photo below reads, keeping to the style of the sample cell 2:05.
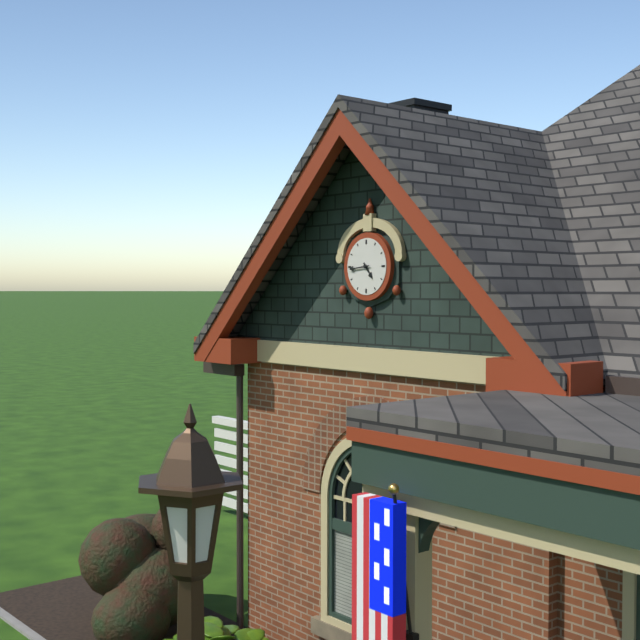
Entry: 4:44
